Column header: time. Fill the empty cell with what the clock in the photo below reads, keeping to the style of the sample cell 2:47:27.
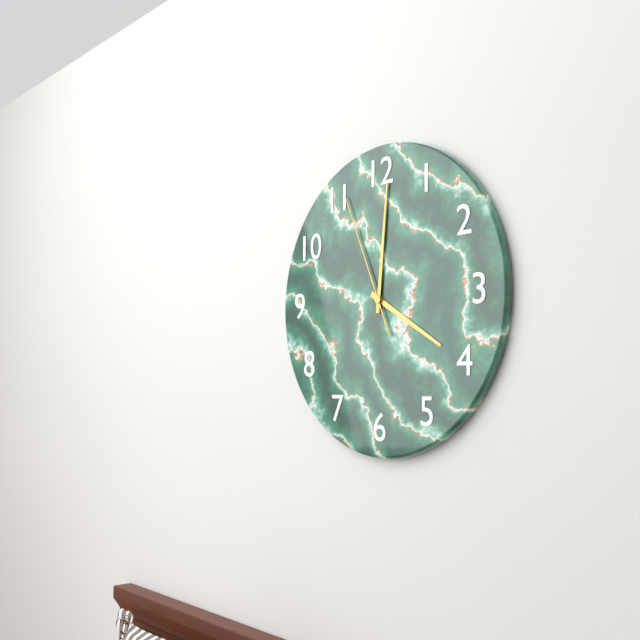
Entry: 4:01:56
